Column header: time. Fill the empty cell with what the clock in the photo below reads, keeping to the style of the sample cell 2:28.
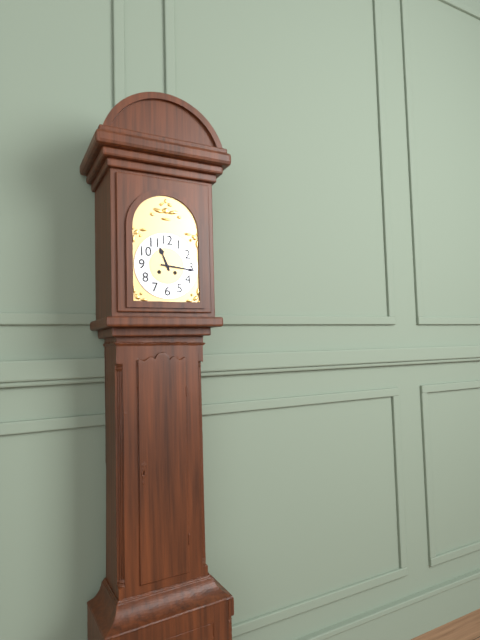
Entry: 11:16
